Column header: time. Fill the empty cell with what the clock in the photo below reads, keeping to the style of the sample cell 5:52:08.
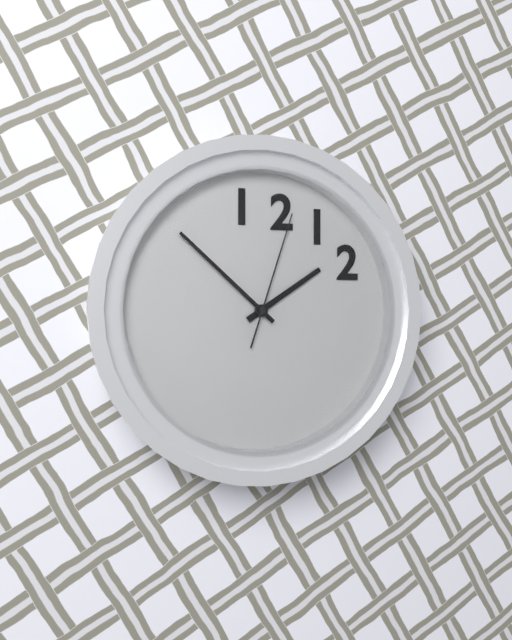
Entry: 1:52:03
